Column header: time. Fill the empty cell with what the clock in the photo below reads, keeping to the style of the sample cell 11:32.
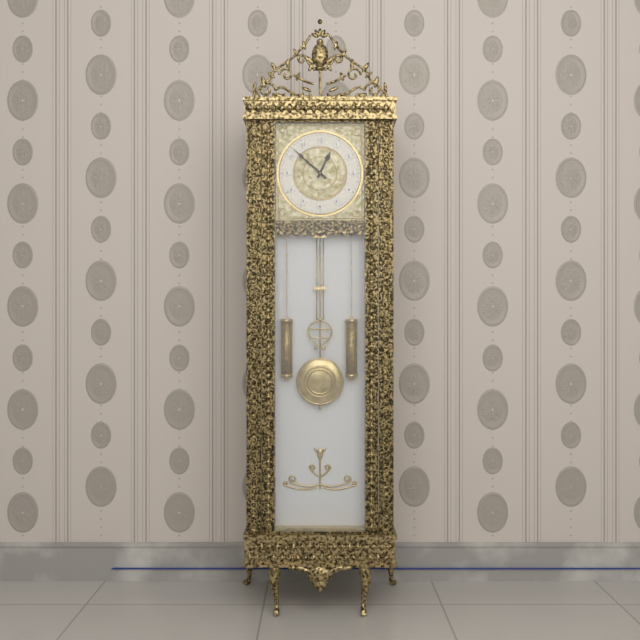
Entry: 12:52
